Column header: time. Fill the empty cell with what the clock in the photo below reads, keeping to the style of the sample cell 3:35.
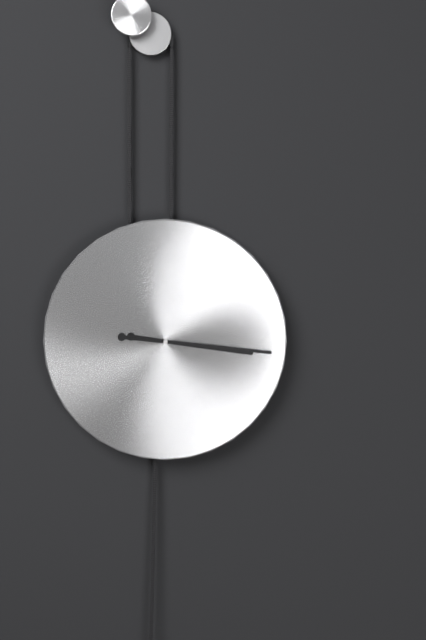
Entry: 3:16
